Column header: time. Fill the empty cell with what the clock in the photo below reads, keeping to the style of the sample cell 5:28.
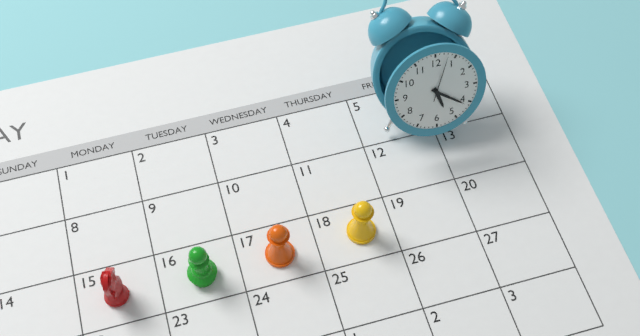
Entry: 5:21
